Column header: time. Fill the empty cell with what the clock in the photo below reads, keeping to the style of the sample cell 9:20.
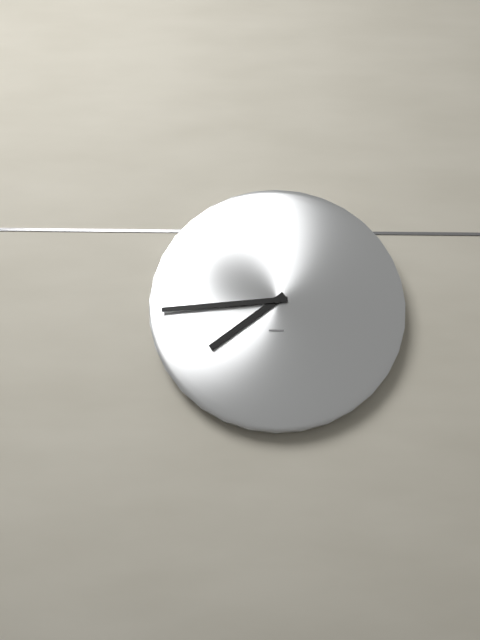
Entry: 7:44
